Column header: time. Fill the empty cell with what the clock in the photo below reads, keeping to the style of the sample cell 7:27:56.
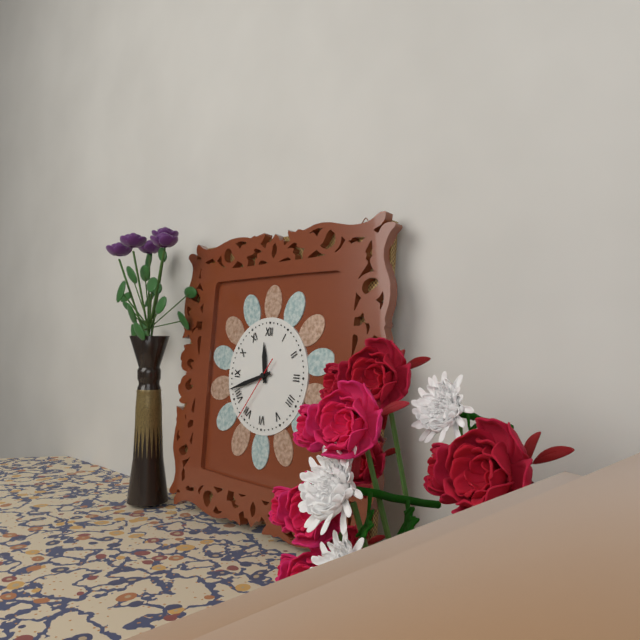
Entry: 11:42:36
